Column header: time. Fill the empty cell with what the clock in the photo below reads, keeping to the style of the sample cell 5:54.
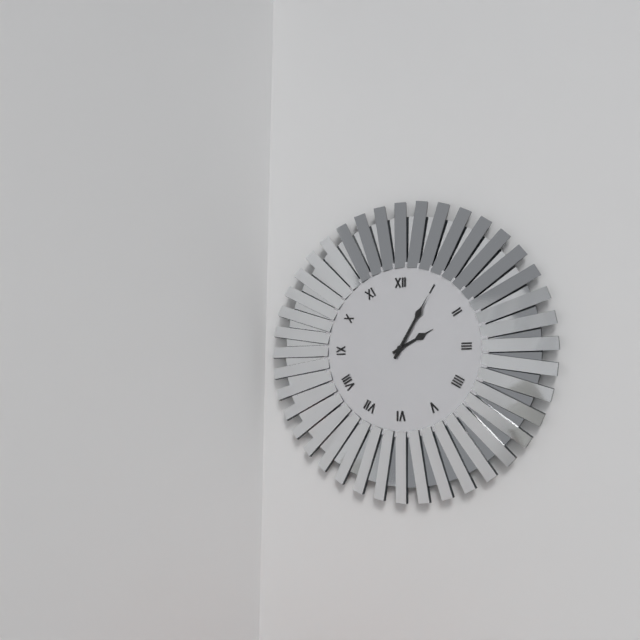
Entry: 2:05
